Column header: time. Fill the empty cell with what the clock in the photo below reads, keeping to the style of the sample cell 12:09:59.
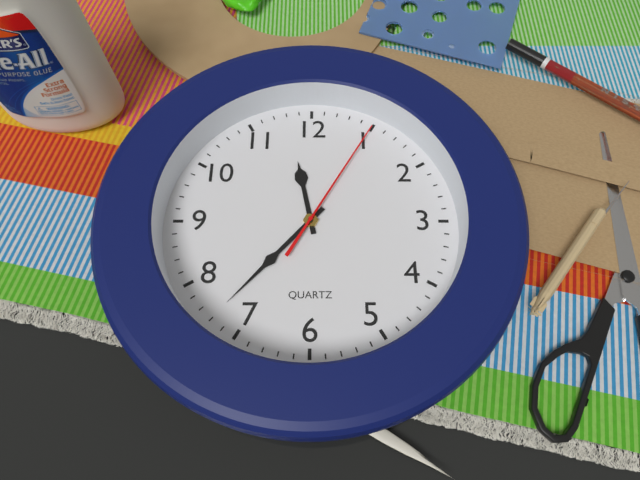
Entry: 11:37:05
